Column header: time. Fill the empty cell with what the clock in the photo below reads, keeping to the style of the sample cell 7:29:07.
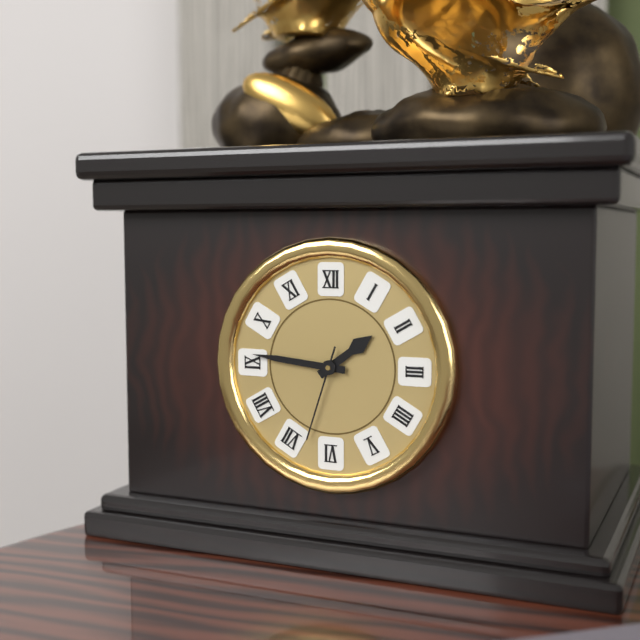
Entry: 1:46:33
